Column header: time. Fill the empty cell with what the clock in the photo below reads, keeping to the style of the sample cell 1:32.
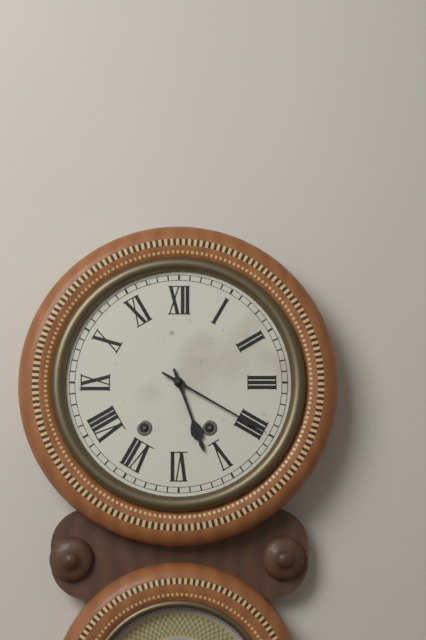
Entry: 5:20
